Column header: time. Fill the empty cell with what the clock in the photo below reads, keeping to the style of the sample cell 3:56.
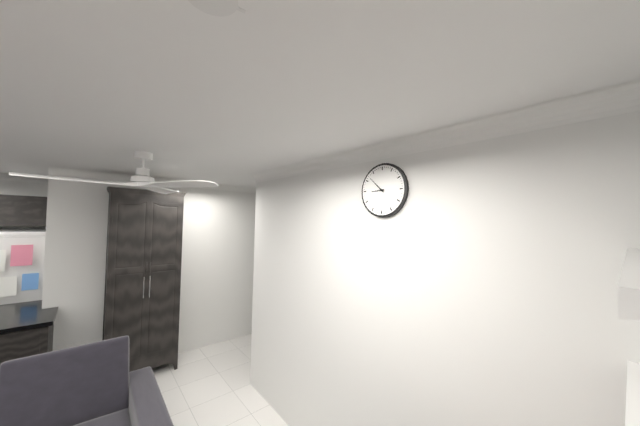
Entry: 8:52
